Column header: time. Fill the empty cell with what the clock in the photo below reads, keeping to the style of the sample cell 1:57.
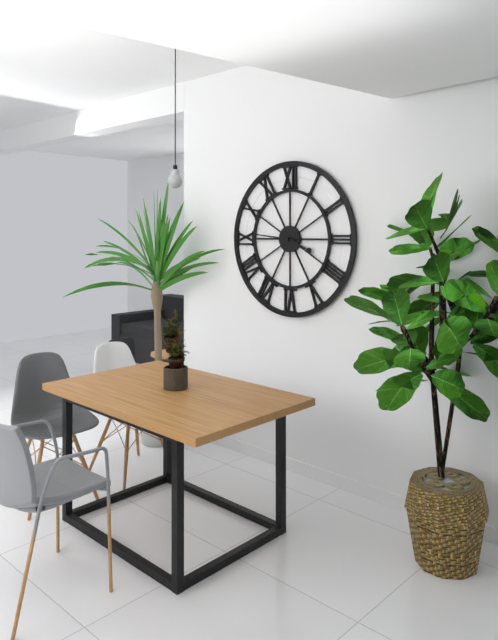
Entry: 3:46
